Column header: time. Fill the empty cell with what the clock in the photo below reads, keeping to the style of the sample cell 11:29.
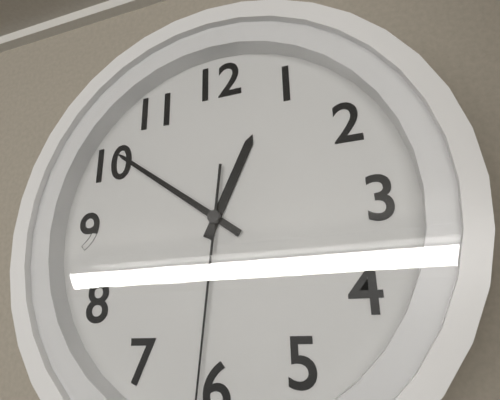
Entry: 12:51
